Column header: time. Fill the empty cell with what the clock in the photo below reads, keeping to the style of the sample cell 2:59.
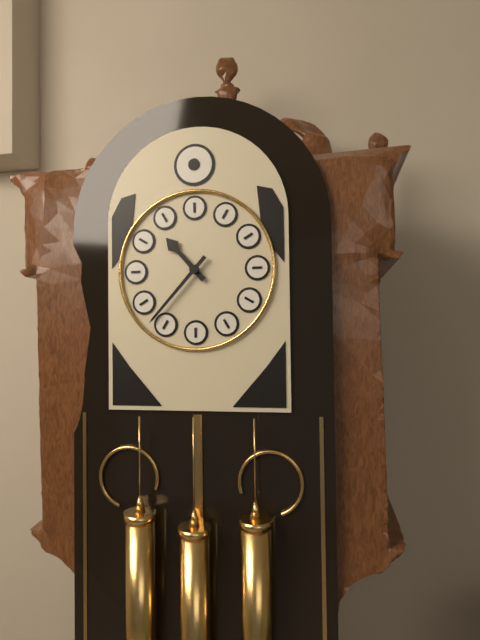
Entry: 10:37
